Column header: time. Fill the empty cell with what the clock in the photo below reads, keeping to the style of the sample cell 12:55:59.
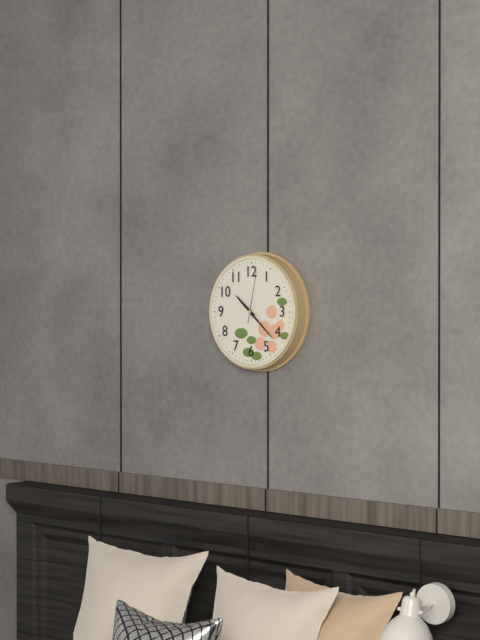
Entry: 10:22:02
